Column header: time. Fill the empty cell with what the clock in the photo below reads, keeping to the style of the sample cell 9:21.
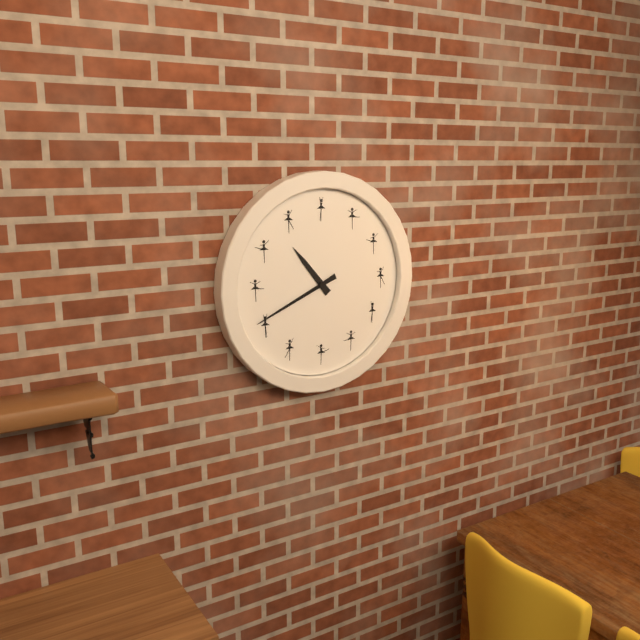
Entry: 10:41
